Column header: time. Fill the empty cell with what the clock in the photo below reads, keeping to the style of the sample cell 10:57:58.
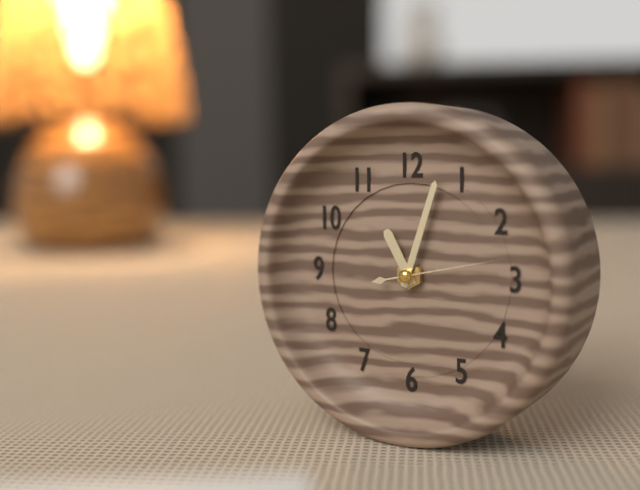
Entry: 11:03:13
